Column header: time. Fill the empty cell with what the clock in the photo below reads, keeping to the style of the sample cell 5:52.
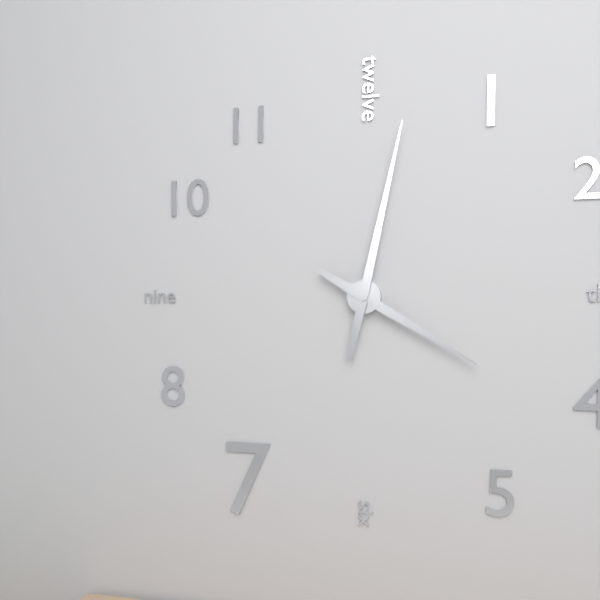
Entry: 4:02
